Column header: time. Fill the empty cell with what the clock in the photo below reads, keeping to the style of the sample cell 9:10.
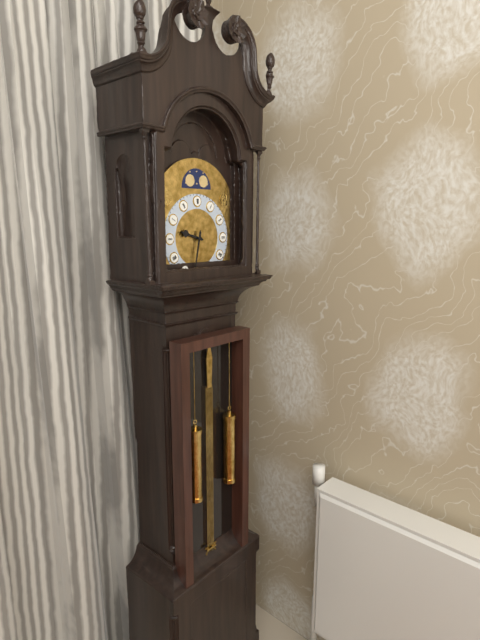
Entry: 9:32
